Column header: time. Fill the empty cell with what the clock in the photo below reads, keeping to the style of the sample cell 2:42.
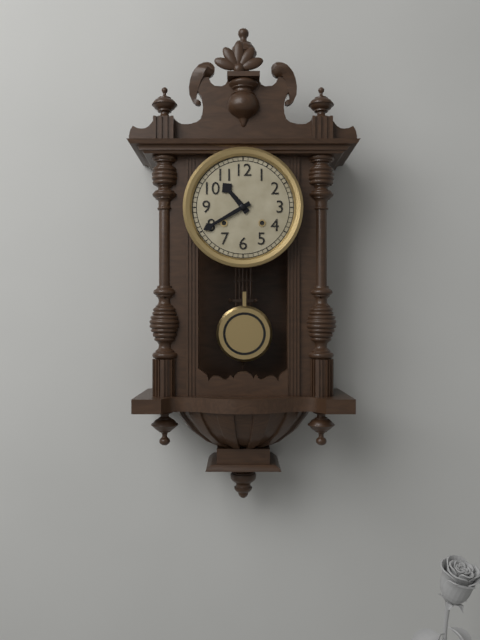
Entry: 10:40
